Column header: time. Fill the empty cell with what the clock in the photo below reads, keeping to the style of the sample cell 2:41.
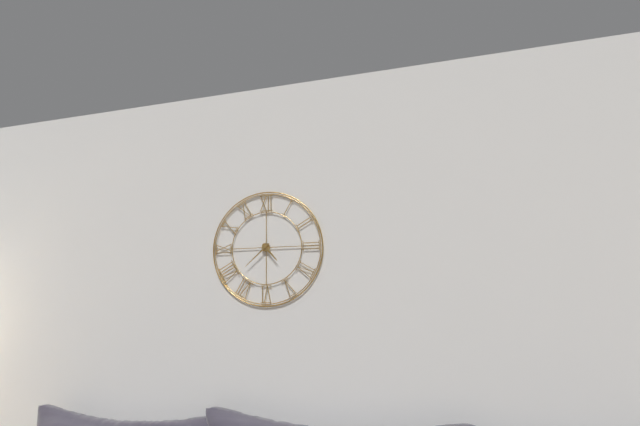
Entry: 4:38
